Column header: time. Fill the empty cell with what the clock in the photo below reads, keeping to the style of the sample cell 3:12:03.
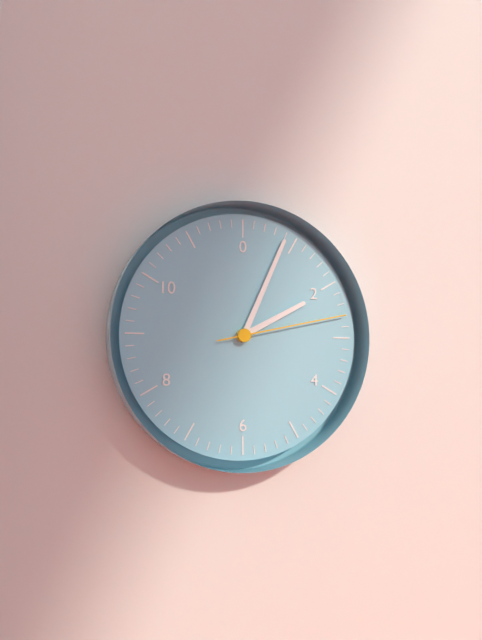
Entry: 2:04:13
